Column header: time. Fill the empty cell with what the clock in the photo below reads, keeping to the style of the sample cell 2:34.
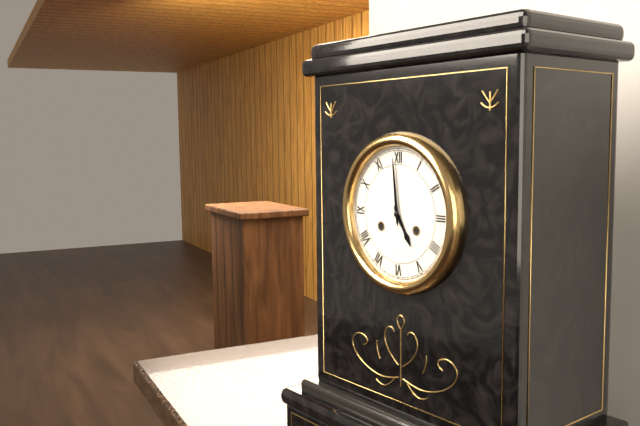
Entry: 4:59
